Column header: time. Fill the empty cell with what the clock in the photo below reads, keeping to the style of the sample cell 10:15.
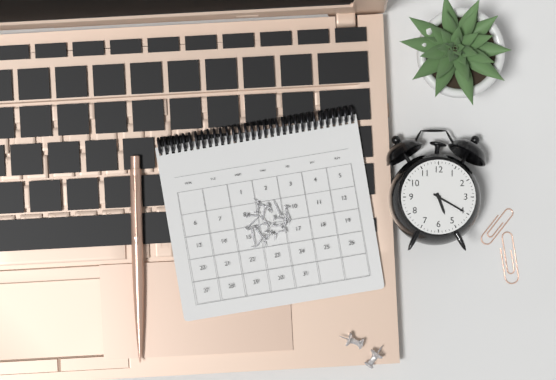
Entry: 5:20
